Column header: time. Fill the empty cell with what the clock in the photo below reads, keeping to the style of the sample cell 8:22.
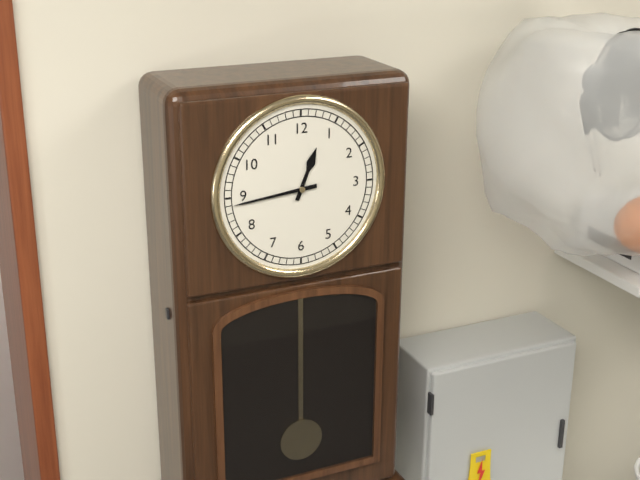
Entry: 12:44
